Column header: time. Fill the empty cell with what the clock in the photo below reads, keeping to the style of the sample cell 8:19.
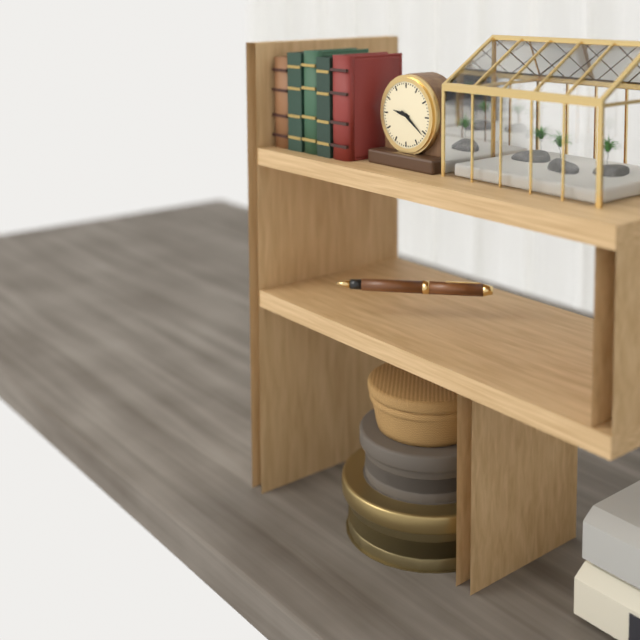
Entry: 9:21
